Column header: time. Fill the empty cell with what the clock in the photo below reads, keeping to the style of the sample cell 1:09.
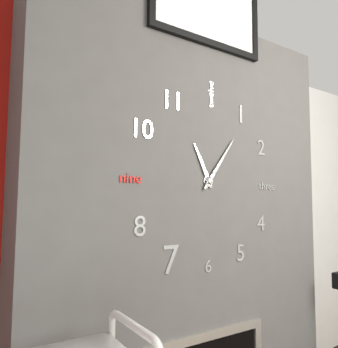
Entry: 11:06
